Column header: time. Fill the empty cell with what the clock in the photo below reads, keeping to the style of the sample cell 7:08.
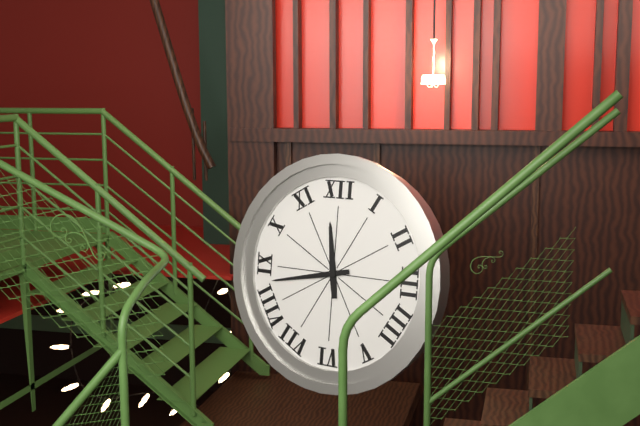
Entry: 11:43
